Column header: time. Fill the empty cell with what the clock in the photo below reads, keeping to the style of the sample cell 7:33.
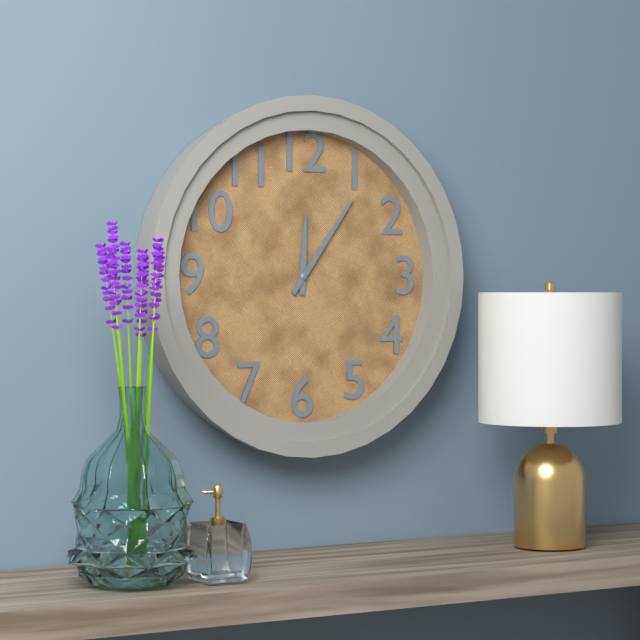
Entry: 12:06
